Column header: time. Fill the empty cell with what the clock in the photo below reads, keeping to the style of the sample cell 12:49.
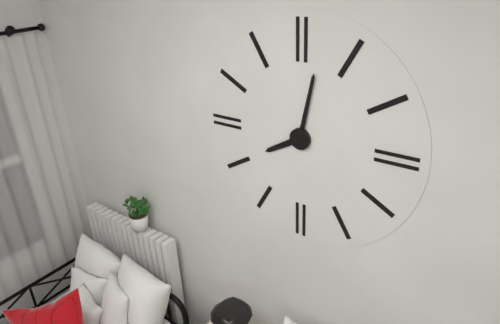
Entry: 8:02
